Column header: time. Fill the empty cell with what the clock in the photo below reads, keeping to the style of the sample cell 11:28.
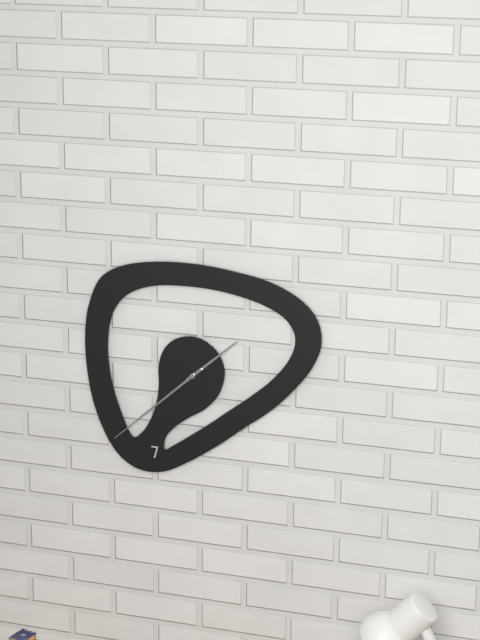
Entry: 1:38
